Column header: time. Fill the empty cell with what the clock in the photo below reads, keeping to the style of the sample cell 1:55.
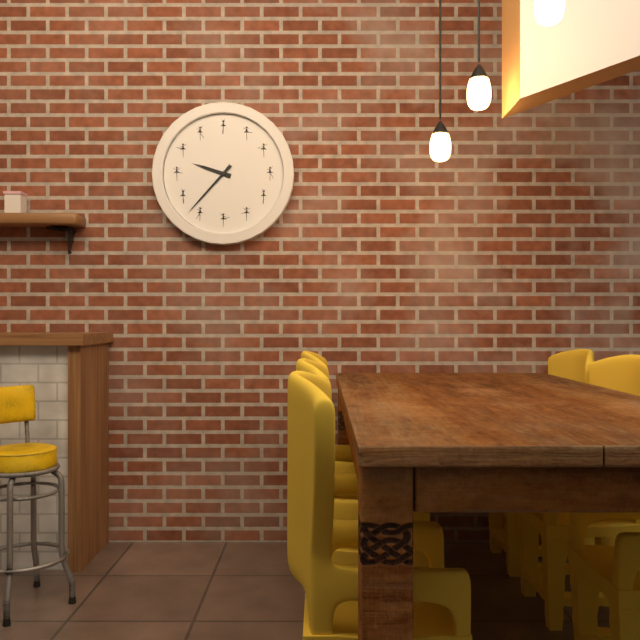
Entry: 9:37
